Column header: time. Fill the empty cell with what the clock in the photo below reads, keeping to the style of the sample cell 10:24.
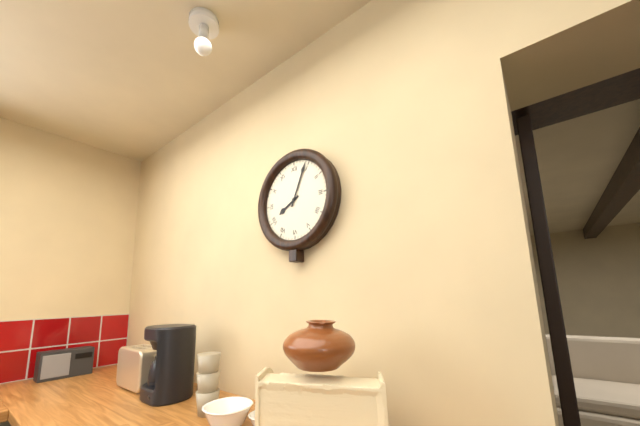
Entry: 8:04
